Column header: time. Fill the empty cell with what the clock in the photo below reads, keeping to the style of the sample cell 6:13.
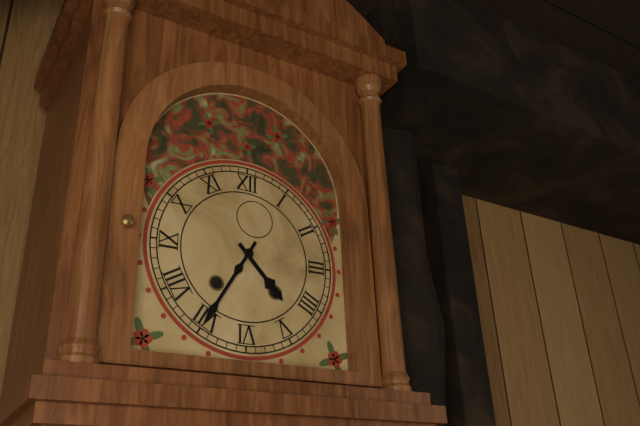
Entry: 4:35
